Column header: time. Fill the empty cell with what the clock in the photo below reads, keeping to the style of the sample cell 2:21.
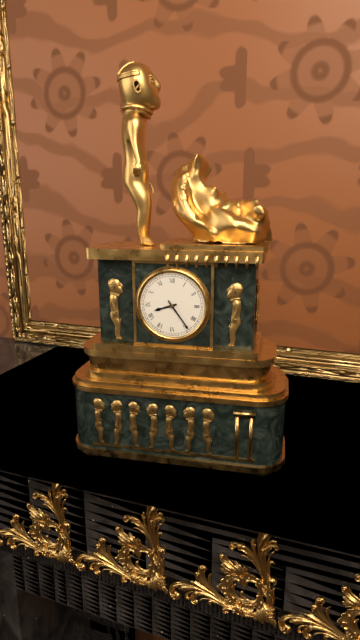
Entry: 8:24
